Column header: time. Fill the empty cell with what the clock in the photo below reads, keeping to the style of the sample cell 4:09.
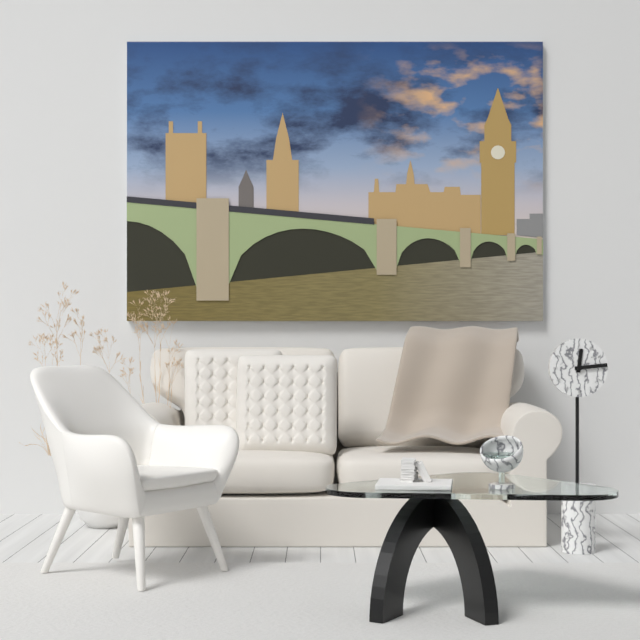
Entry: 12:14
